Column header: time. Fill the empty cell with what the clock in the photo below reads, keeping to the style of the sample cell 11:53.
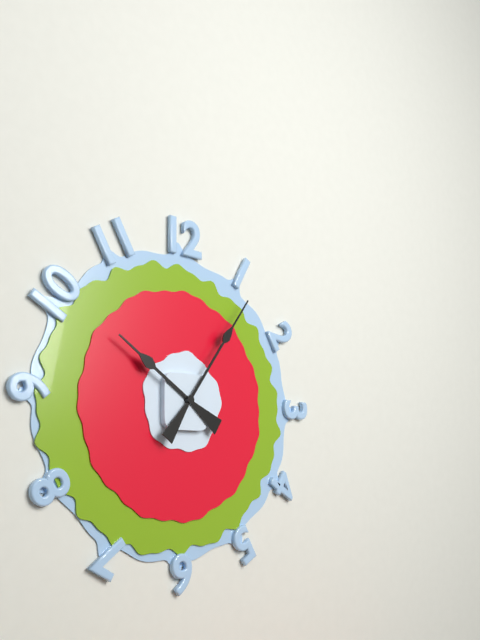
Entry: 10:06
